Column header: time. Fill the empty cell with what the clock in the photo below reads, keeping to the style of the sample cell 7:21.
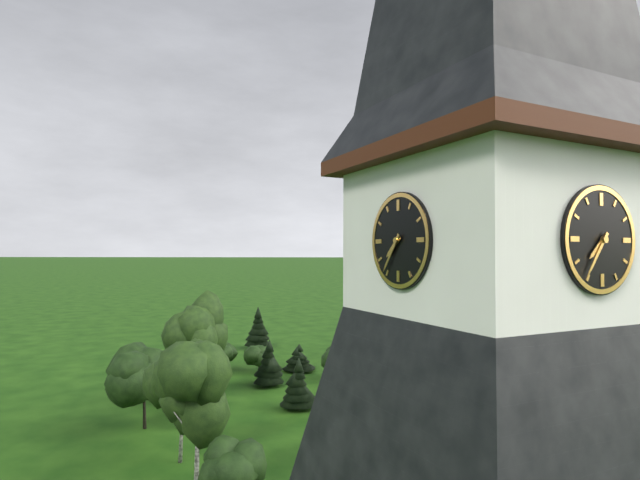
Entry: 7:36
